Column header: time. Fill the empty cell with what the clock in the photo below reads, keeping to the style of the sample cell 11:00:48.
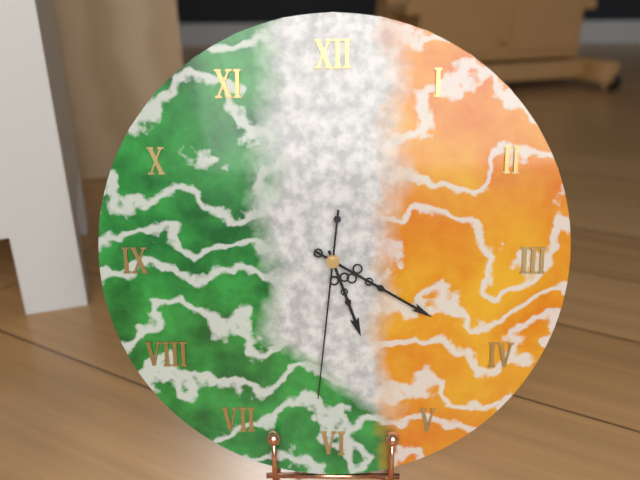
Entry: 5:20:31
